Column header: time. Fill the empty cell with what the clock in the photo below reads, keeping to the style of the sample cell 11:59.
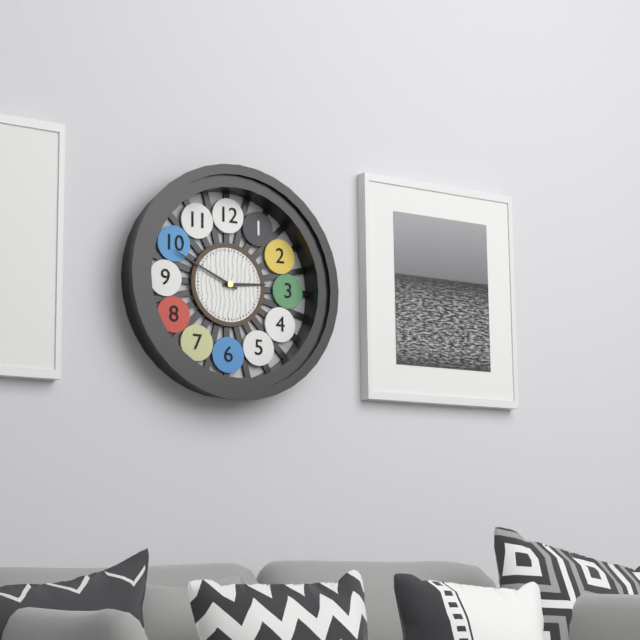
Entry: 2:49
